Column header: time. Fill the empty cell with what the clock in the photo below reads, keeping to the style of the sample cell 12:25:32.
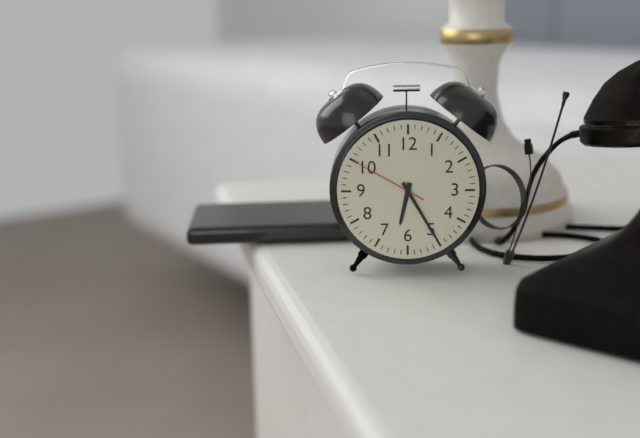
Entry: 6:25:50
